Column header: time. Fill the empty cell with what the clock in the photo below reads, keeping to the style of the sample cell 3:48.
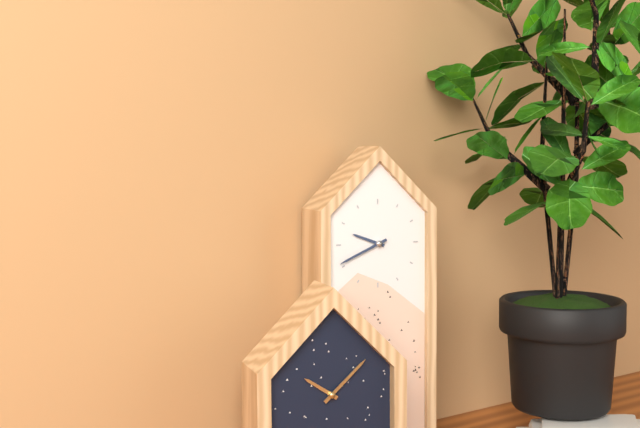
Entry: 9:41
